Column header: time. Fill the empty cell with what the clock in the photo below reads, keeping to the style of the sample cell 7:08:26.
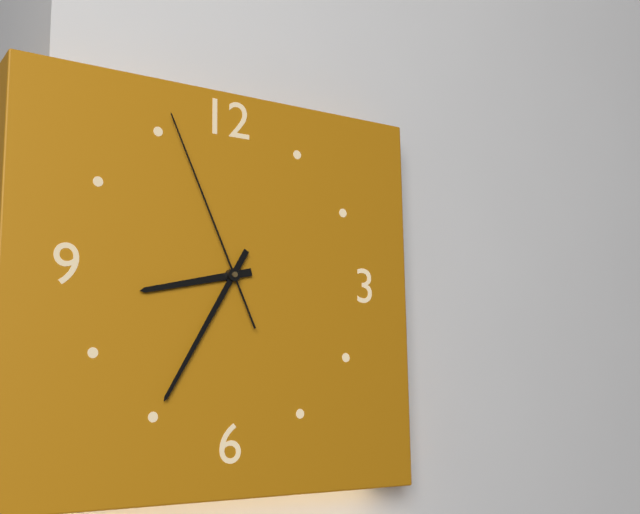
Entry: 8:35:56
